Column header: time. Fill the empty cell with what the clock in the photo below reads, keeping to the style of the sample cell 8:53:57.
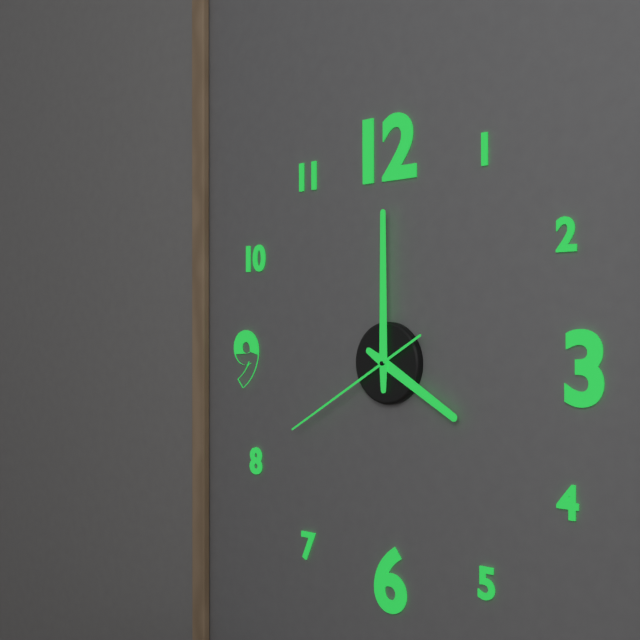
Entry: 4:00:40
